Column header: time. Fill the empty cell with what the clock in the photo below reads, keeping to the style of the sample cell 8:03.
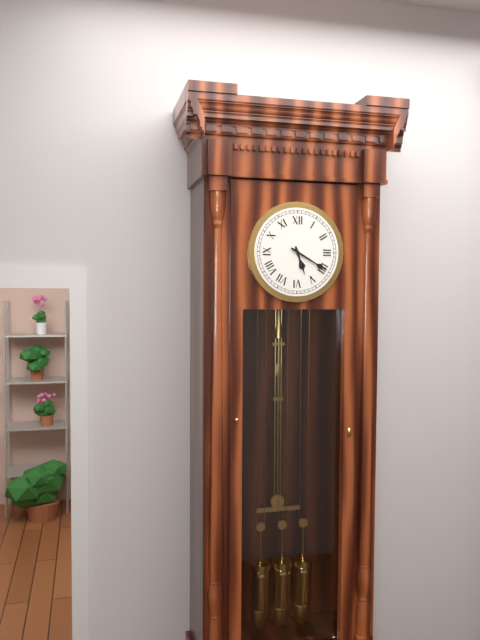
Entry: 5:20
